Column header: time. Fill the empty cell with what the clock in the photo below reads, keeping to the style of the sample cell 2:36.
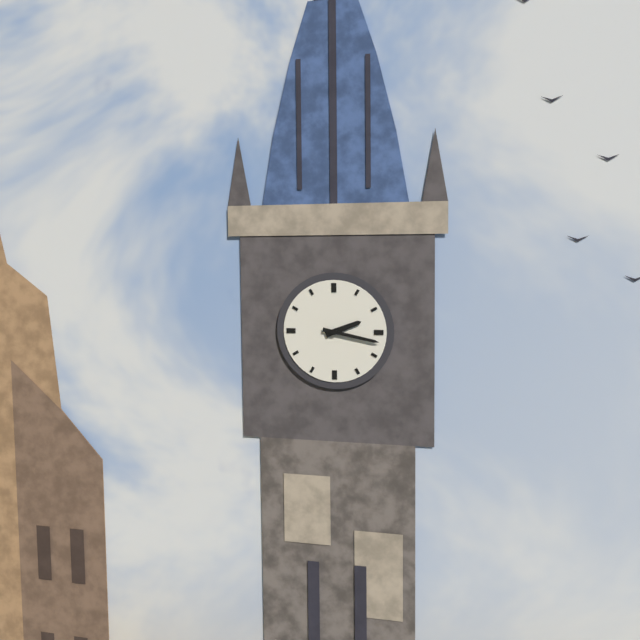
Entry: 2:17
